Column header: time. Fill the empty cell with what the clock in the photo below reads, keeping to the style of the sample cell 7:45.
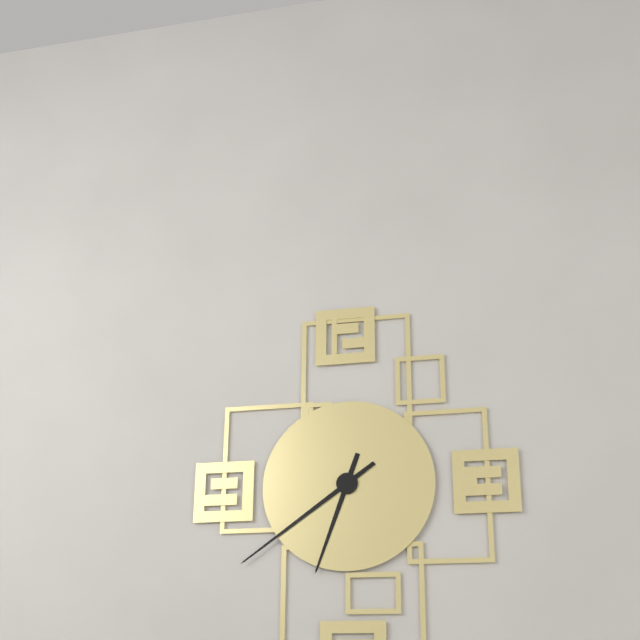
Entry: 6:39
